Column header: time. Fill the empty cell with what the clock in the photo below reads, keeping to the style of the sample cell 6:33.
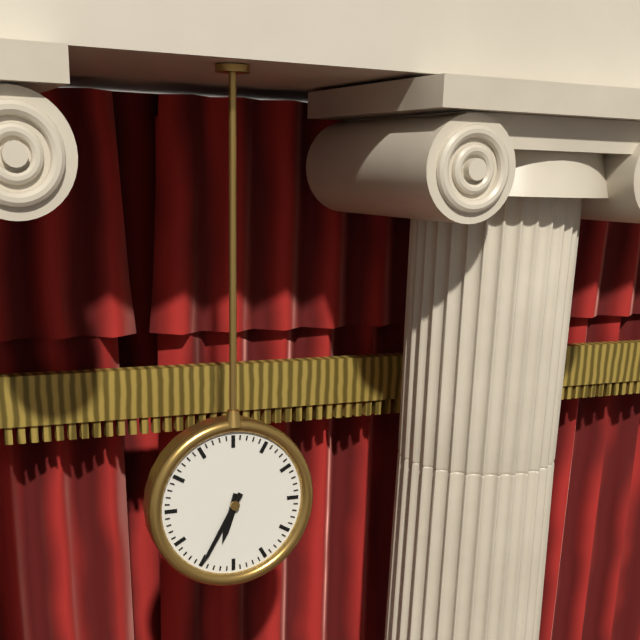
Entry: 6:35
